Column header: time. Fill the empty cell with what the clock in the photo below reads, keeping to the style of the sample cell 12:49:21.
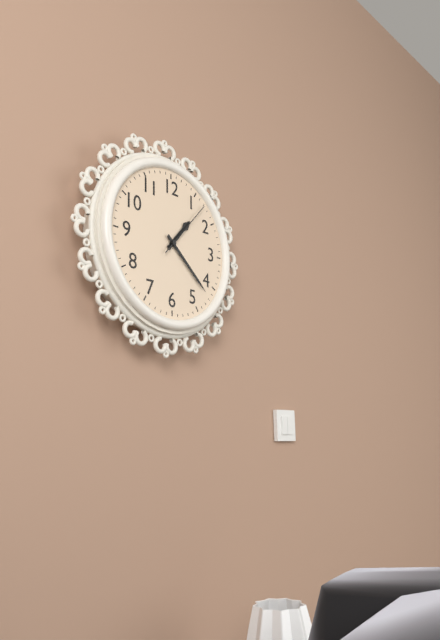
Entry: 1:22:07
